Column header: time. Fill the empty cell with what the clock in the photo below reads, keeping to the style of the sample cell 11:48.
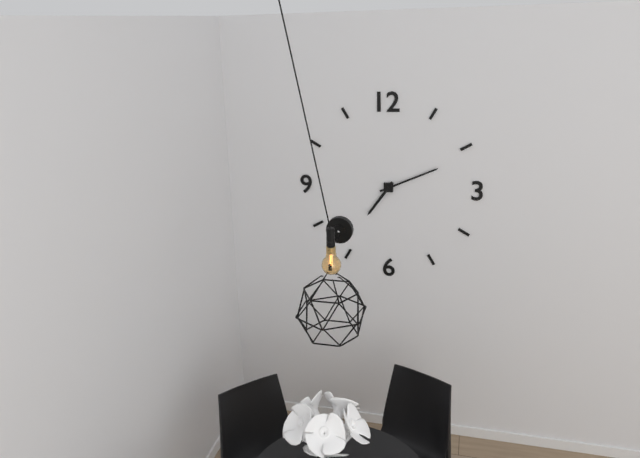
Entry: 7:11
